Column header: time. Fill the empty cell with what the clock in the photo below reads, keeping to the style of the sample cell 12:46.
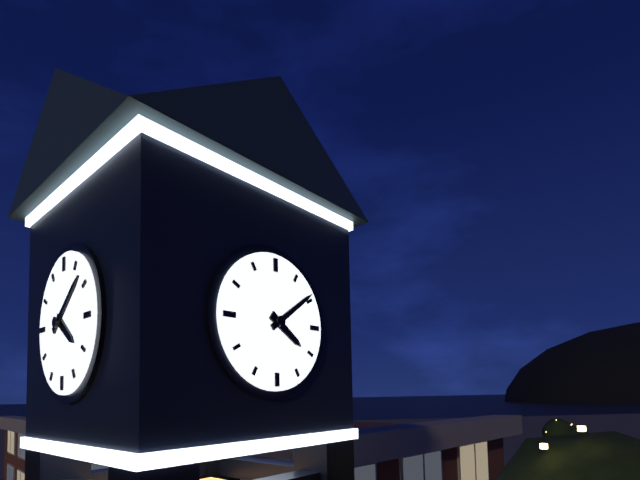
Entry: 4:09
